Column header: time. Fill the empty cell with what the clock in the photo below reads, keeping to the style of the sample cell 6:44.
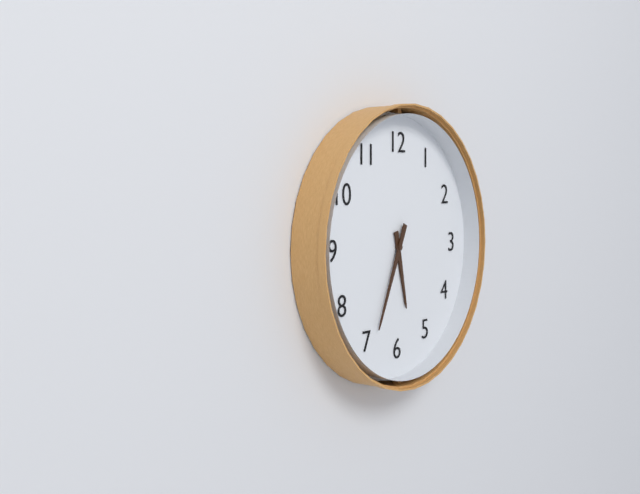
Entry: 5:34
